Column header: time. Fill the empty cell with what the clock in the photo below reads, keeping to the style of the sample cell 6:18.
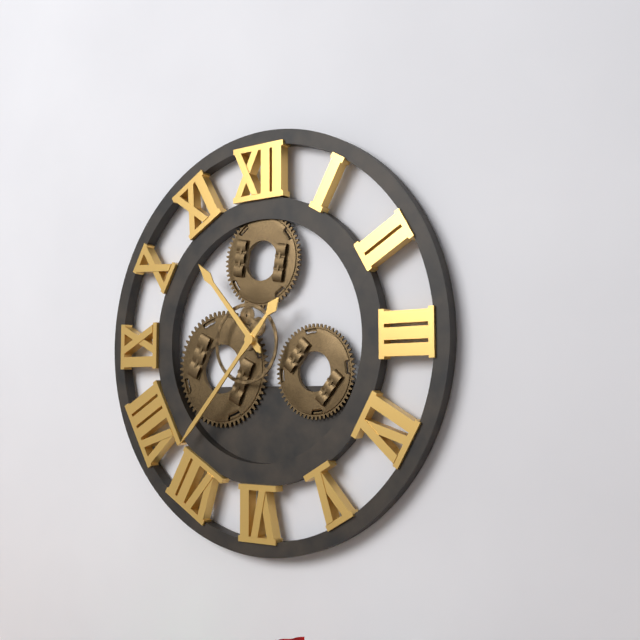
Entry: 10:37
